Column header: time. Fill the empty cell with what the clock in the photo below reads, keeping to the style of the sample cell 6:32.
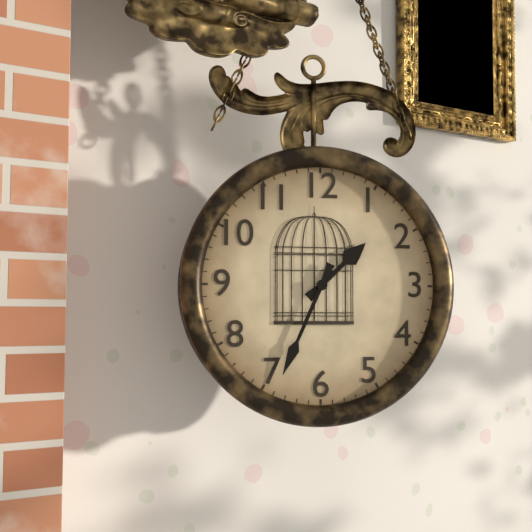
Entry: 1:34
